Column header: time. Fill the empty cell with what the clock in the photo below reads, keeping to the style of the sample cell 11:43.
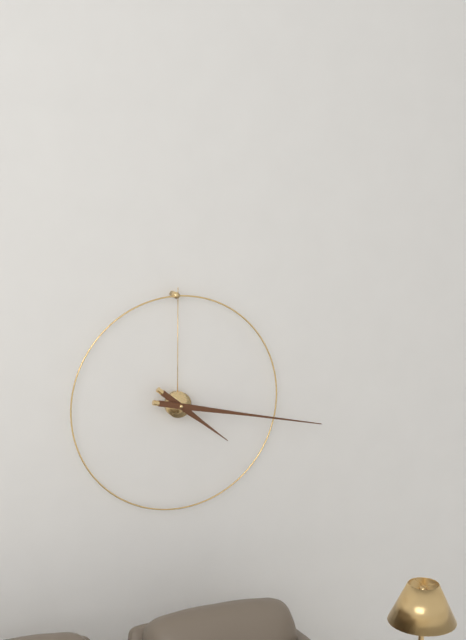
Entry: 4:17
